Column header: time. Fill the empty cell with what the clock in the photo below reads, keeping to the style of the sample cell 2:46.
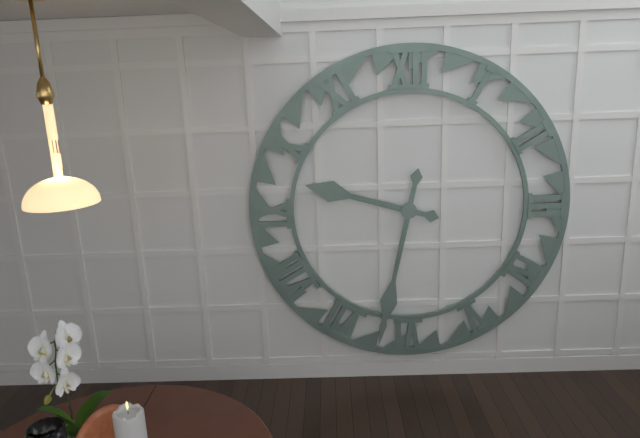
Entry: 9:32
